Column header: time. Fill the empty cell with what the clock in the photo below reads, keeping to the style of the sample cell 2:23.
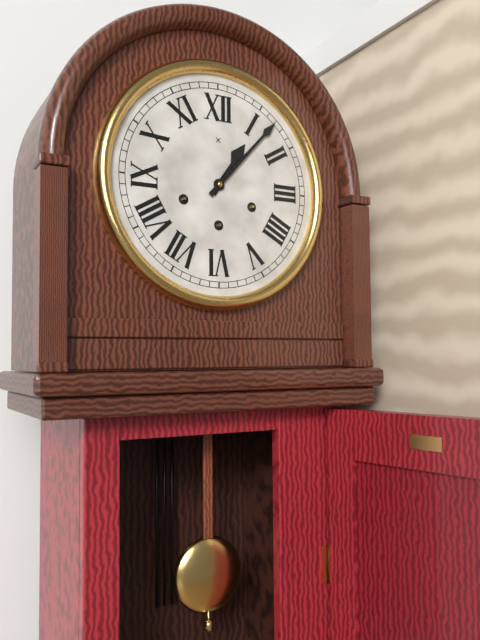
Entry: 1:07
